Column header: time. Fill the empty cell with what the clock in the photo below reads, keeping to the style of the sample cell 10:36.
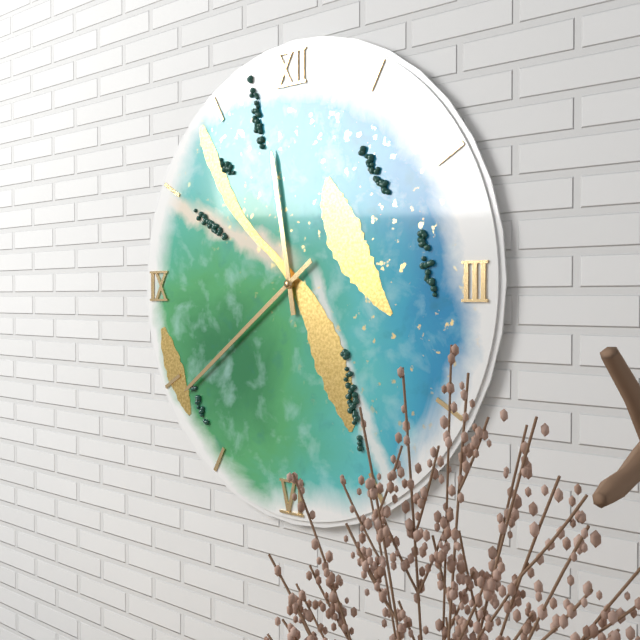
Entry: 11:39
